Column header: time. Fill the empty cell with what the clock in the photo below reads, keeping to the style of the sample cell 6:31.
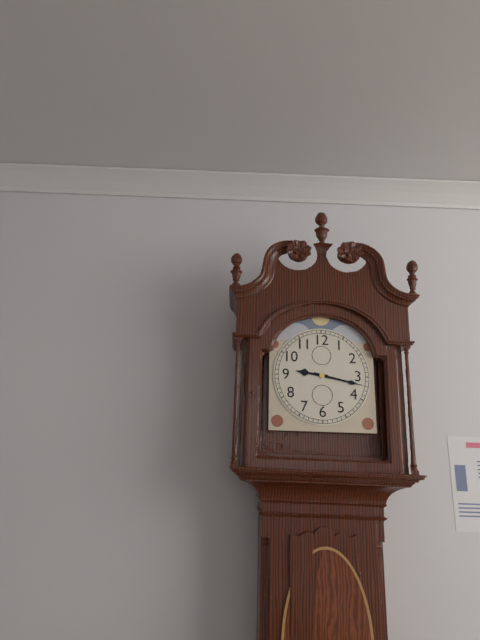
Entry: 9:17
